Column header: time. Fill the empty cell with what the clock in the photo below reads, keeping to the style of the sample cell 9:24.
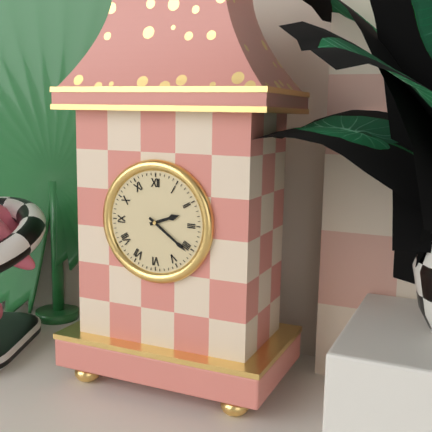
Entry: 2:21
